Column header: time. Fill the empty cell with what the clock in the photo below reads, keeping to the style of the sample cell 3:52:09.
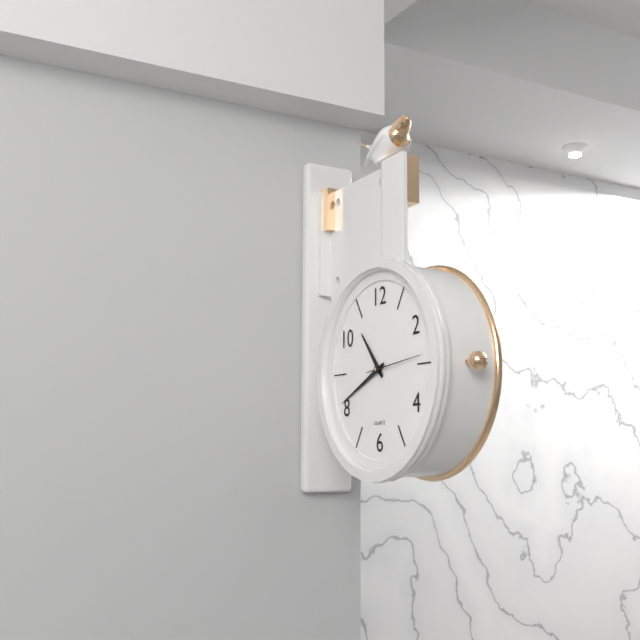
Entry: 10:41:14
